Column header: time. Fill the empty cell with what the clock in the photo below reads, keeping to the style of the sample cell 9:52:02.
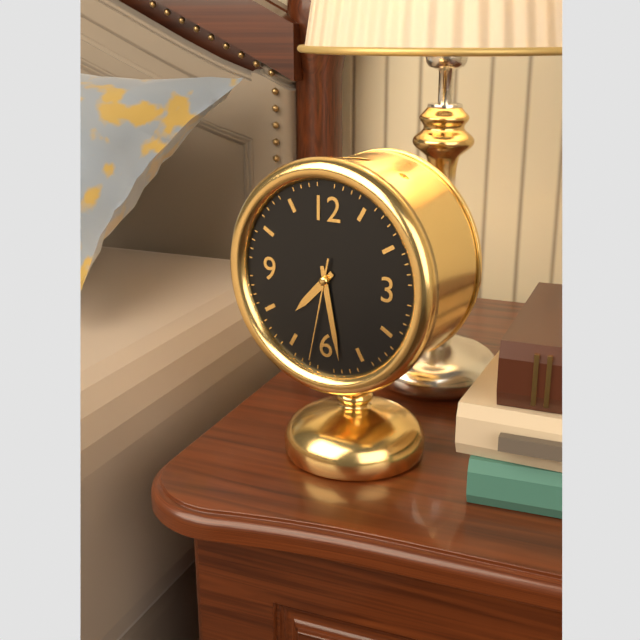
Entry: 7:28:32
